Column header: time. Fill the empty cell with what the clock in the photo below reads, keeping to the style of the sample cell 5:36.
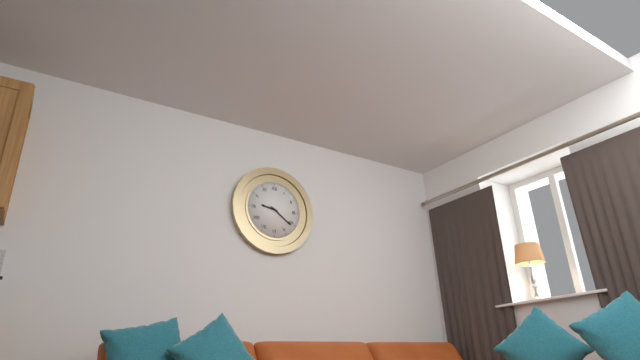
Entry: 9:21
